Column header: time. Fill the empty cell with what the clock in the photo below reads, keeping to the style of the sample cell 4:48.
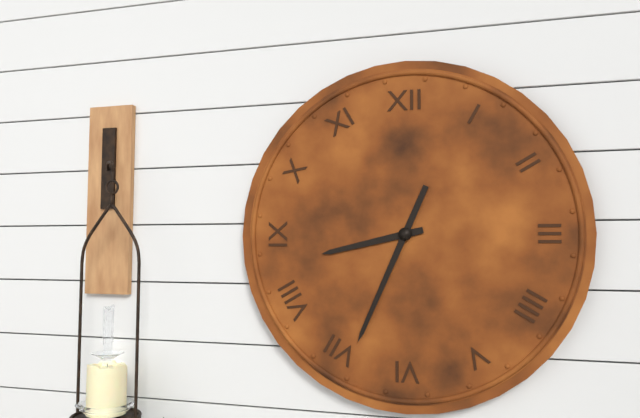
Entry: 8:34
